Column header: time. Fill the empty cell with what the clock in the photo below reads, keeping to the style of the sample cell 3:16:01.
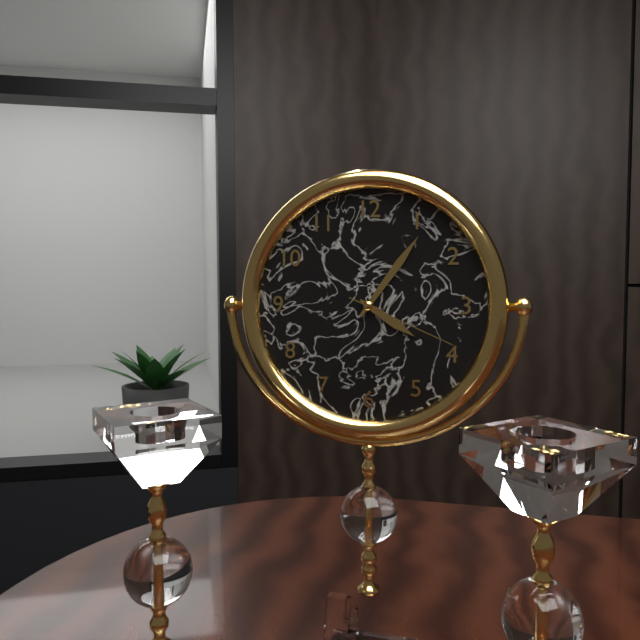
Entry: 4:06:19
